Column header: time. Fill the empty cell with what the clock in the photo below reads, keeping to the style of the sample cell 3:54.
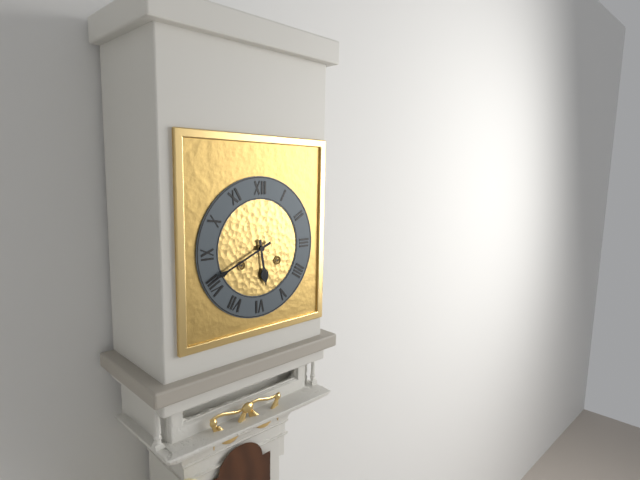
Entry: 5:41
